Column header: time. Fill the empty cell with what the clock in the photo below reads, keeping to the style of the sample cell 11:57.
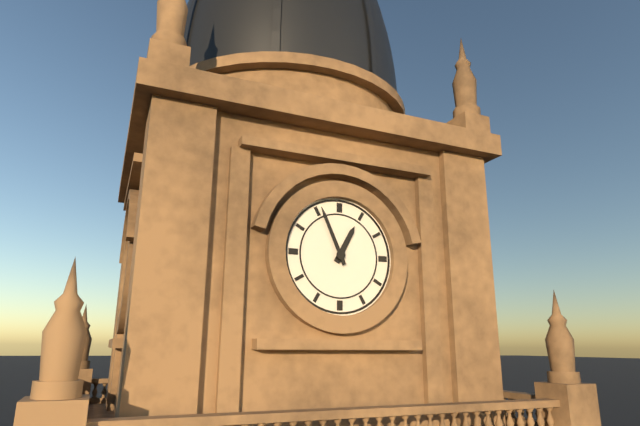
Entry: 12:56
